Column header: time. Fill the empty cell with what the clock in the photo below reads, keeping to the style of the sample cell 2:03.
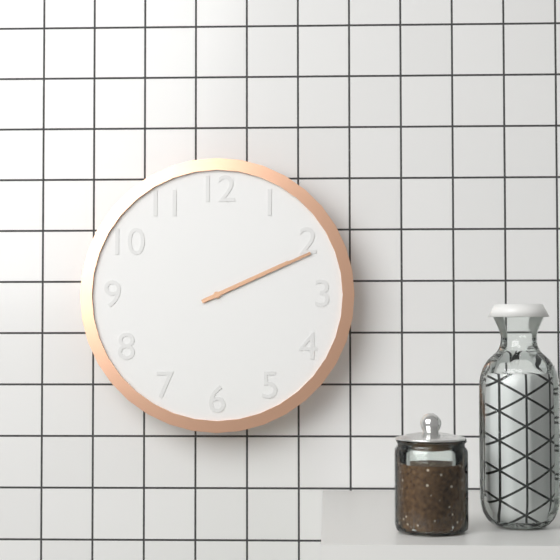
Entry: 2:11
